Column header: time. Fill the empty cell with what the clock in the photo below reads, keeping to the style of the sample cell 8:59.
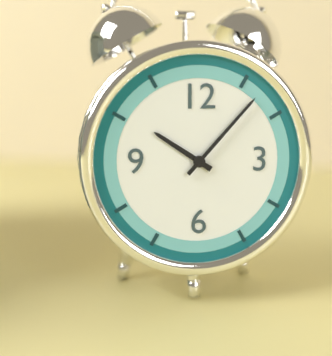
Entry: 10:07
